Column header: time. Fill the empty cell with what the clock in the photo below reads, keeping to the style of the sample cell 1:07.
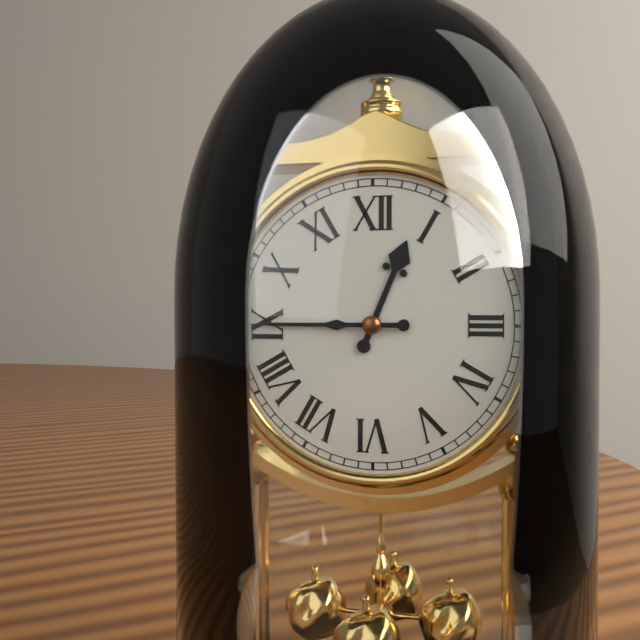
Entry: 12:45
